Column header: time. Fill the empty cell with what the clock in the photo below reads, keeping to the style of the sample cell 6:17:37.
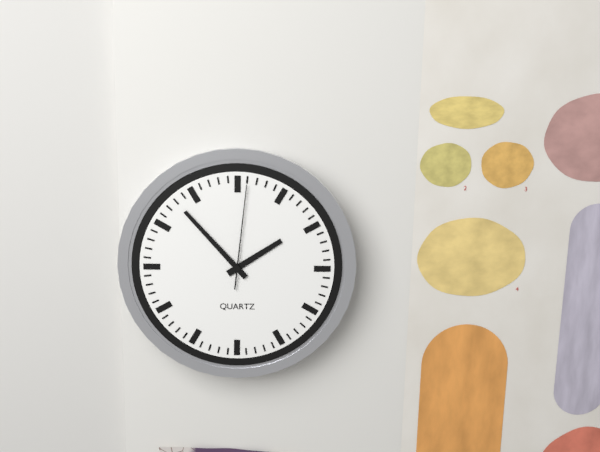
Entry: 1:53:01
